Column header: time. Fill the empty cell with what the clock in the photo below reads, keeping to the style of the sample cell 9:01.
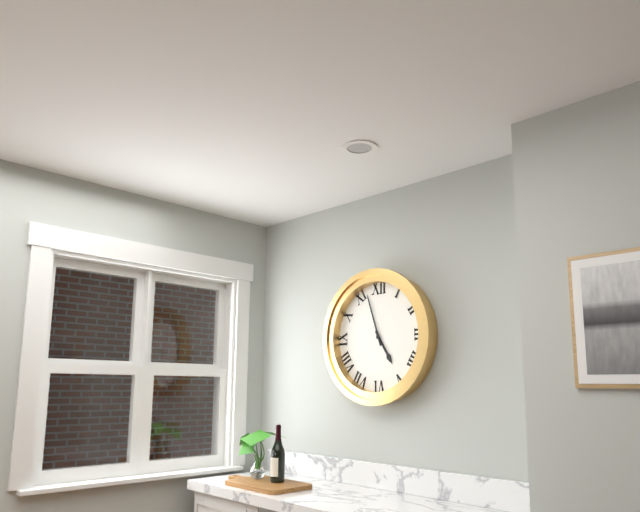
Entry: 4:57
